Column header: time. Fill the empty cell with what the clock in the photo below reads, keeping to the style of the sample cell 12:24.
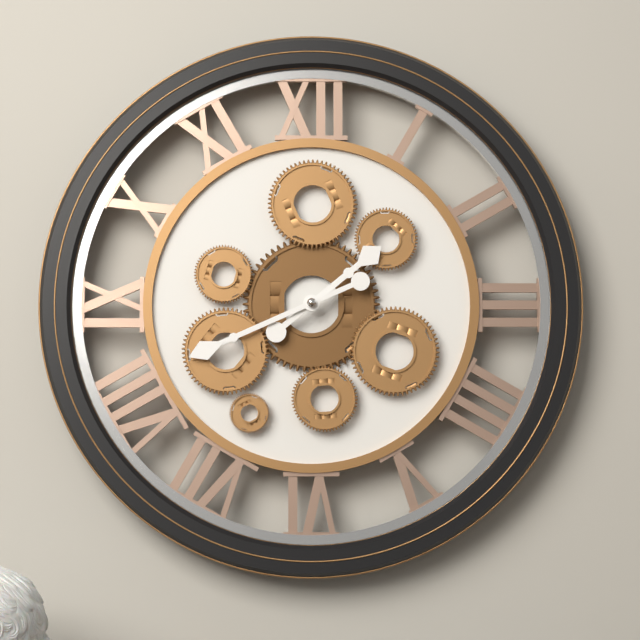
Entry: 1:41
